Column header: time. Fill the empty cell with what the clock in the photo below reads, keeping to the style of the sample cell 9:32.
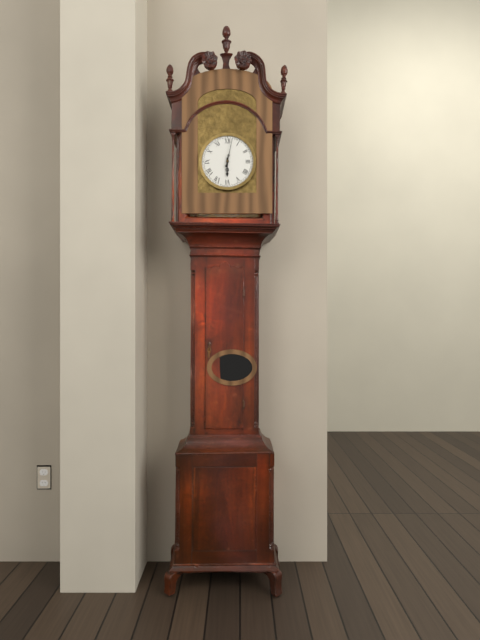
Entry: 6:02
